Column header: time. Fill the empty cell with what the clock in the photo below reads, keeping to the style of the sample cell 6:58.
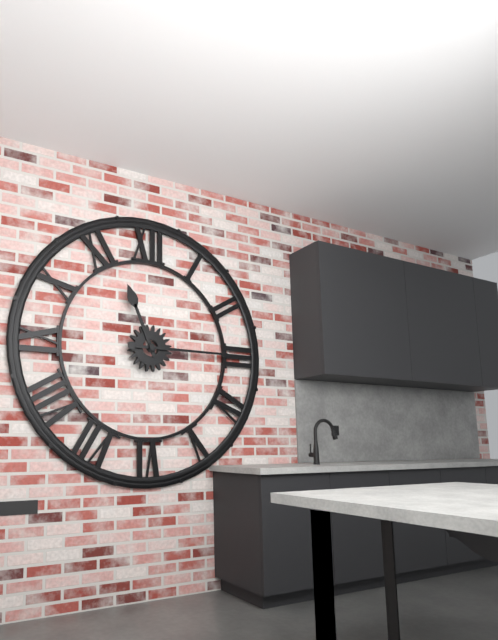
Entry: 11:15
